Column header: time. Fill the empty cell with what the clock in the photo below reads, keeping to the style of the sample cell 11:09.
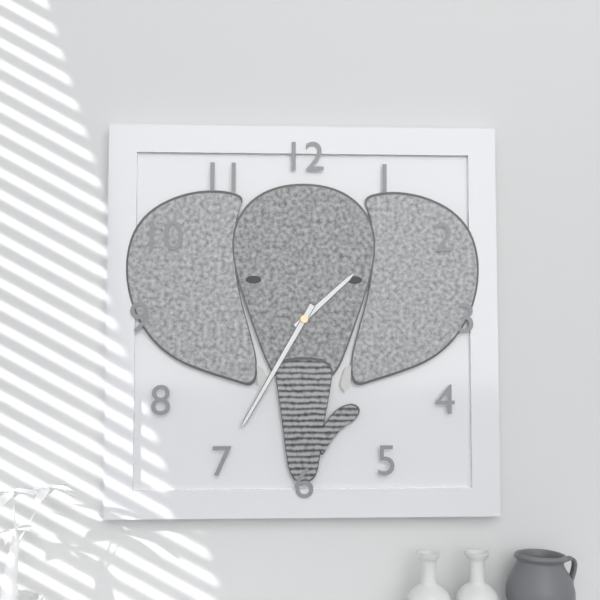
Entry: 1:35
